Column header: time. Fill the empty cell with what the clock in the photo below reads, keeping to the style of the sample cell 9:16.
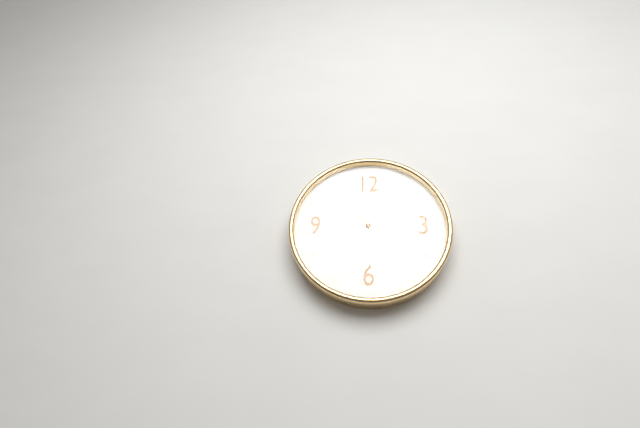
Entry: 10:55
